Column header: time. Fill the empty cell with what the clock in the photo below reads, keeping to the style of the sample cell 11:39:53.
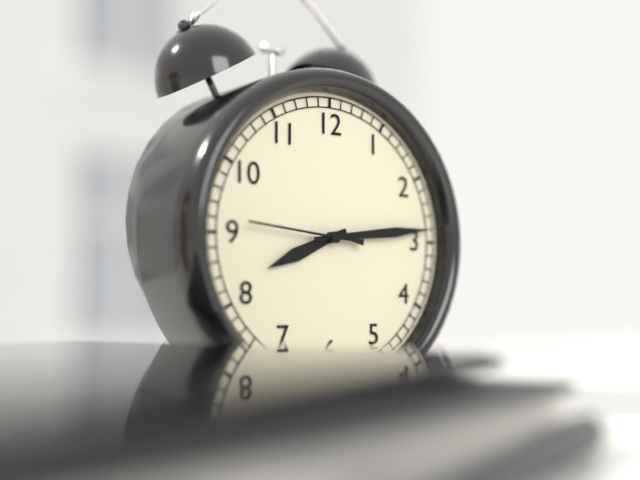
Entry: 8:14:46
